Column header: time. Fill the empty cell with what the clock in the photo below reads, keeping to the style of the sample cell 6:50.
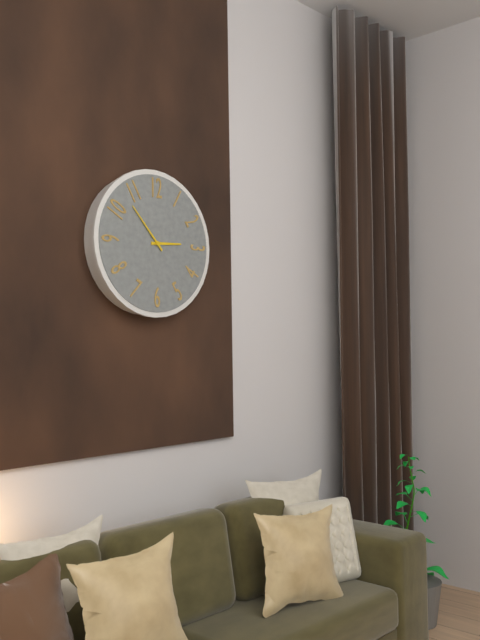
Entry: 2:53
